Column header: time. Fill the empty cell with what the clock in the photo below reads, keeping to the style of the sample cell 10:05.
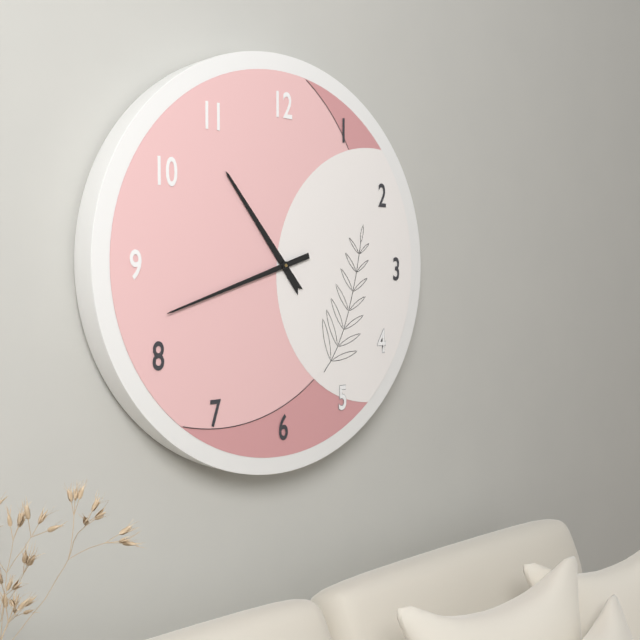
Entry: 10:42
